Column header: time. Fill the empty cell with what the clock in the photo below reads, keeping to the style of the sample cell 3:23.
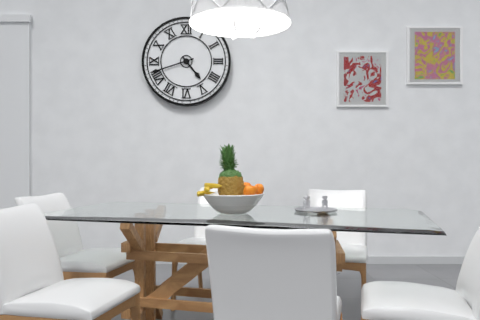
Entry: 4:42
